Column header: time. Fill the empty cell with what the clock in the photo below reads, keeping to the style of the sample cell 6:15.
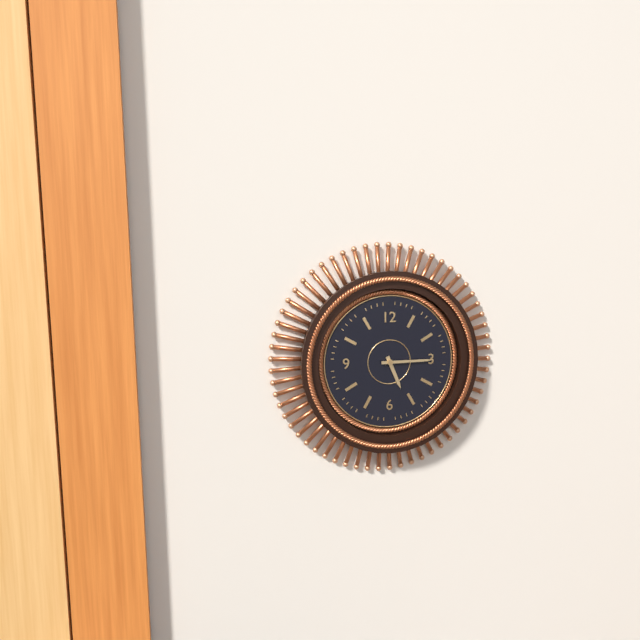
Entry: 5:15
